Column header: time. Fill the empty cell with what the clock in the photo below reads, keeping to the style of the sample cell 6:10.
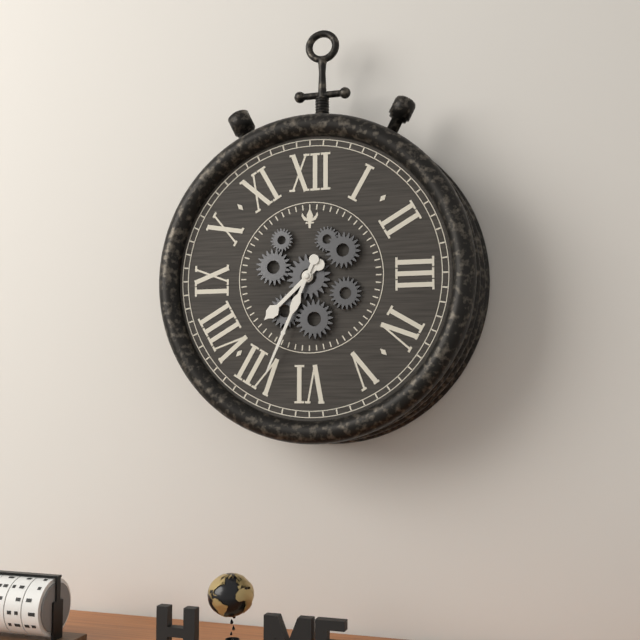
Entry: 7:34
